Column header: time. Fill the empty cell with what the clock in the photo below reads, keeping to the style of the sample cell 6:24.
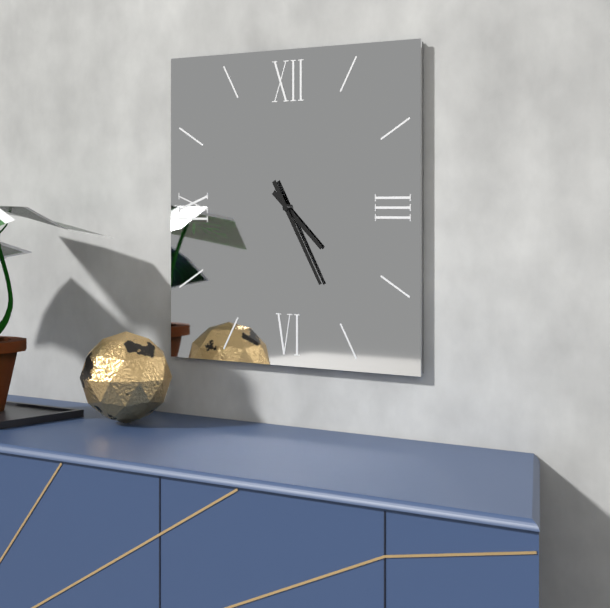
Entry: 4:25
